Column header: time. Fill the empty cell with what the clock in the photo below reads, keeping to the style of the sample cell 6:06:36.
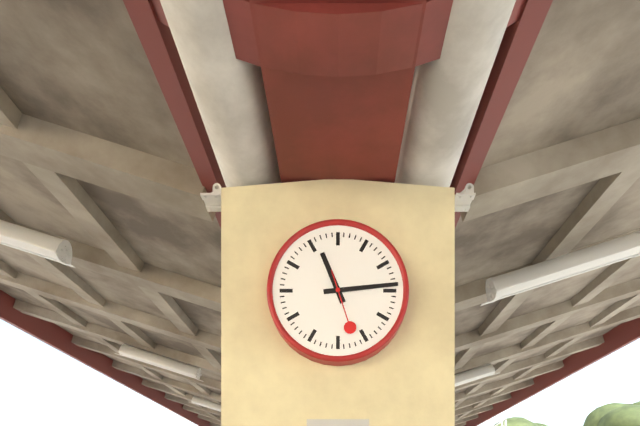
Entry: 11:14:27
